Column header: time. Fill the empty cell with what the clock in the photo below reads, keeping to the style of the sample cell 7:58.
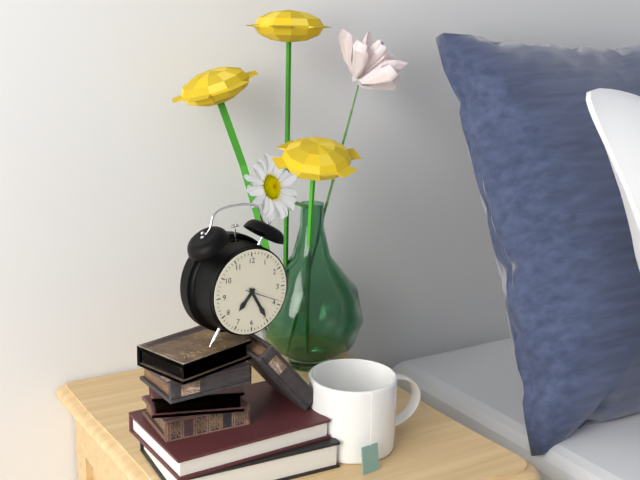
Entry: 7:25
